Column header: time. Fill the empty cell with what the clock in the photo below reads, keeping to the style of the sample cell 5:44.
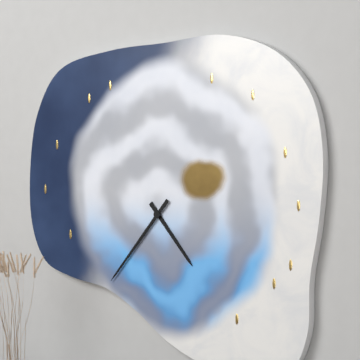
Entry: 4:37
